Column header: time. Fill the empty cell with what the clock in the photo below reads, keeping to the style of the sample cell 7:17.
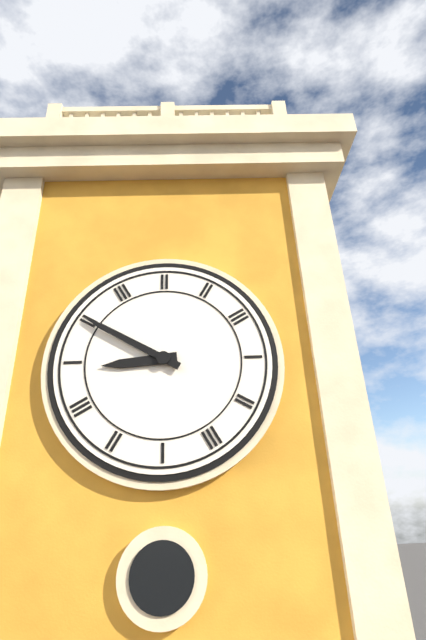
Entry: 8:50
